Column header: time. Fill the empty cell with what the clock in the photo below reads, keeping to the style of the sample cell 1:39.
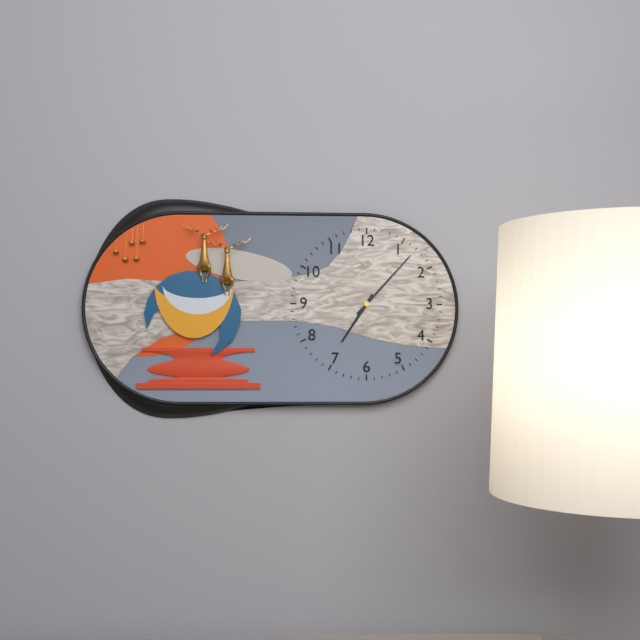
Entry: 7:07
